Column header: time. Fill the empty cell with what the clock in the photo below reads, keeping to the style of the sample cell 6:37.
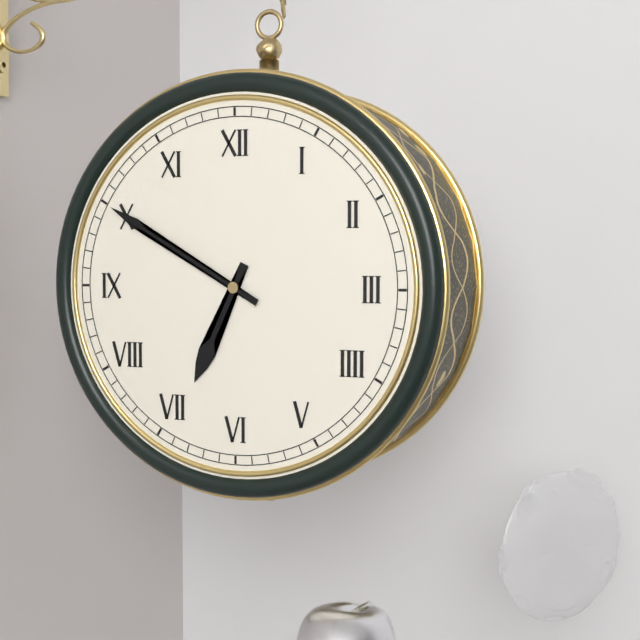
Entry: 6:50
